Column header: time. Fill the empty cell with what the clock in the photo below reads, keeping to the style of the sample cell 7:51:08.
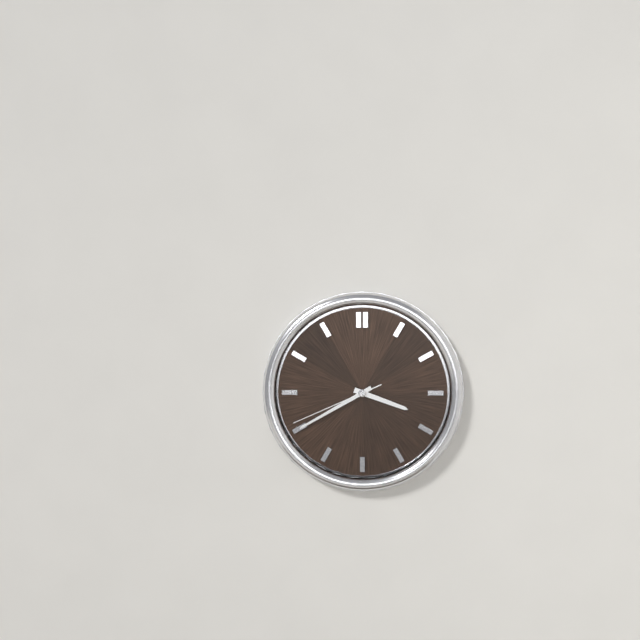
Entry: 3:40:41
